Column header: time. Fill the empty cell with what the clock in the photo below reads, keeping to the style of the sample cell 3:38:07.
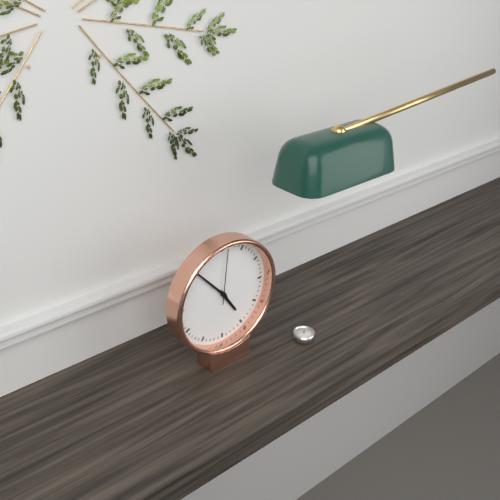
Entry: 4:53:01
